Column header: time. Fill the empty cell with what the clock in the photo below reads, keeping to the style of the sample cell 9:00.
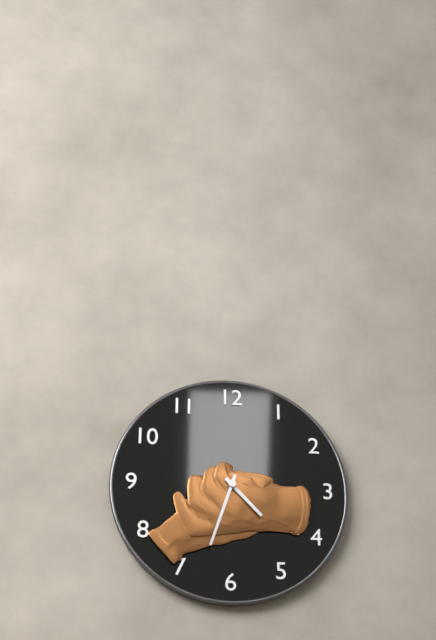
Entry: 4:33
